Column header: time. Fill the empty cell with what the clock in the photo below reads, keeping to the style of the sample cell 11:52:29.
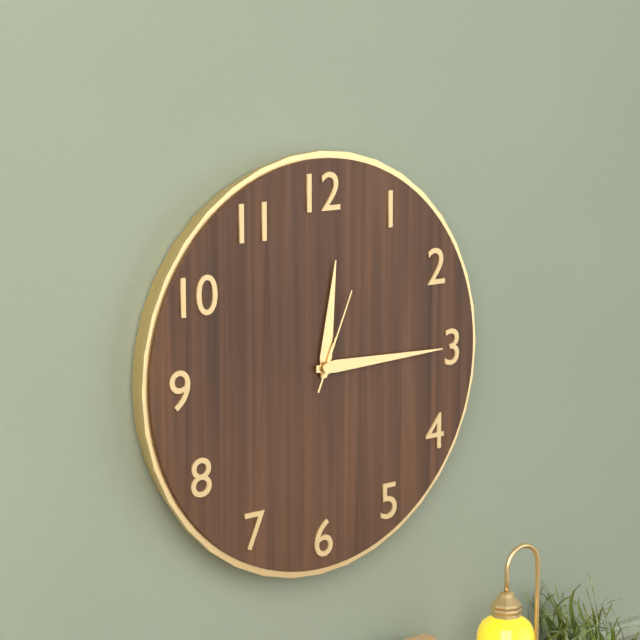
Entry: 12:15:04
